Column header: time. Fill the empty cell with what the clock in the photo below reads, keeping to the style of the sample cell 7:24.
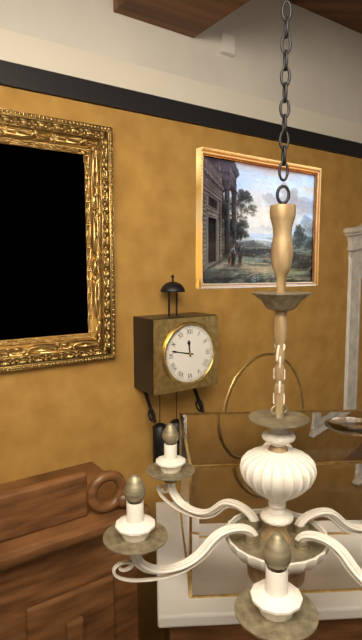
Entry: 11:47
